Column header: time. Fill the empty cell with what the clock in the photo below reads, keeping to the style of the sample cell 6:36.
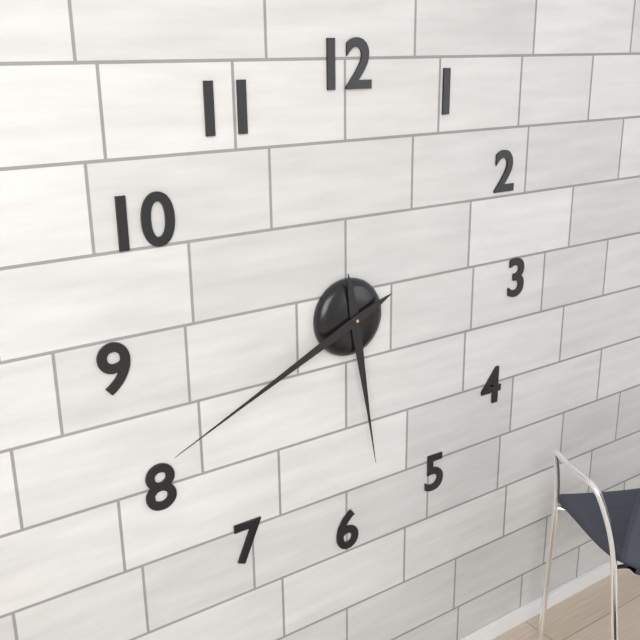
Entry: 5:41
